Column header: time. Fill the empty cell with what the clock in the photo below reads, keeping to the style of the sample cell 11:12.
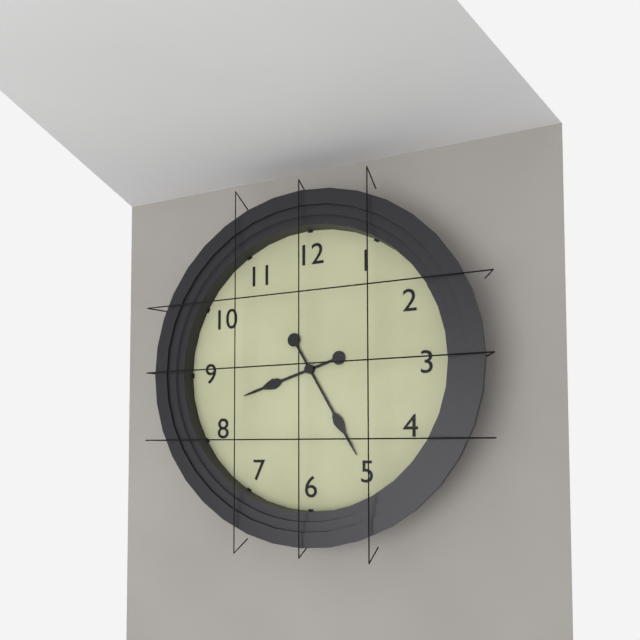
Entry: 8:25
